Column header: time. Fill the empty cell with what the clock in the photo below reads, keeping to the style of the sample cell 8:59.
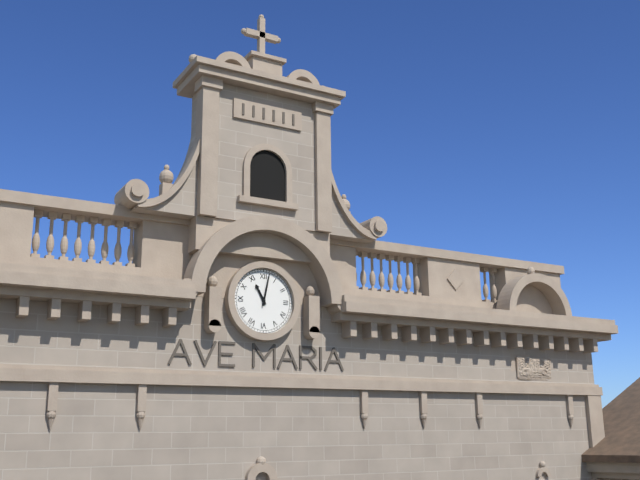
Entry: 11:02
